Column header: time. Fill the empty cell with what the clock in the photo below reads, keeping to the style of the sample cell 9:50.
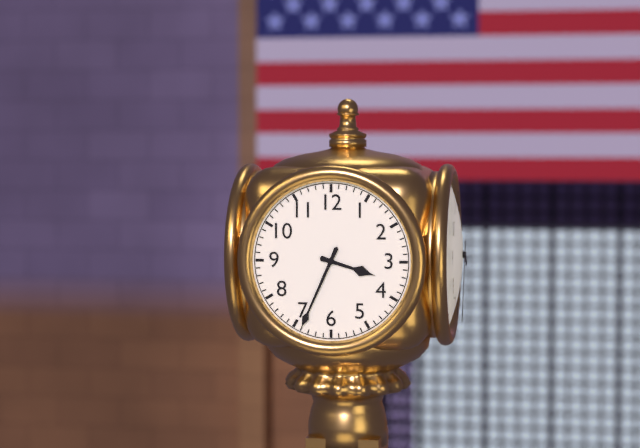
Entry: 3:34
